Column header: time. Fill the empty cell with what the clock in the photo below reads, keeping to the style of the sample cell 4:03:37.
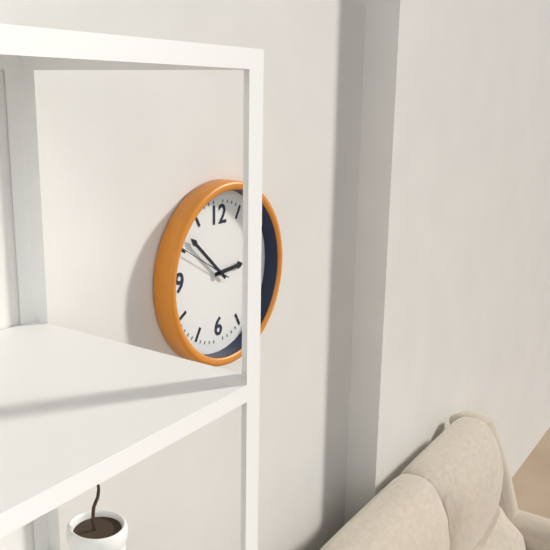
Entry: 2:52:50
